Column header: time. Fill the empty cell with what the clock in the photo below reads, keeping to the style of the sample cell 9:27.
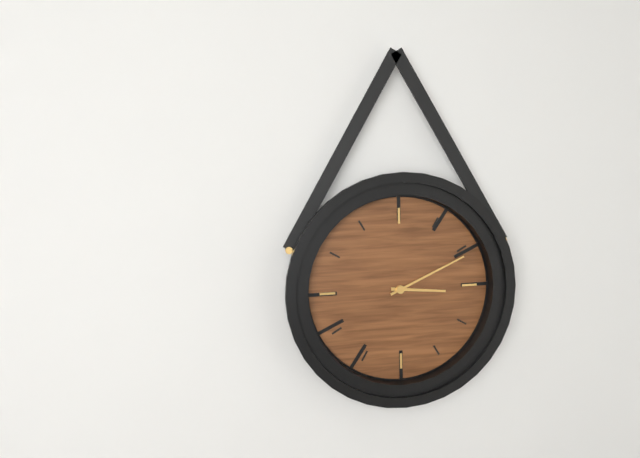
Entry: 3:11
